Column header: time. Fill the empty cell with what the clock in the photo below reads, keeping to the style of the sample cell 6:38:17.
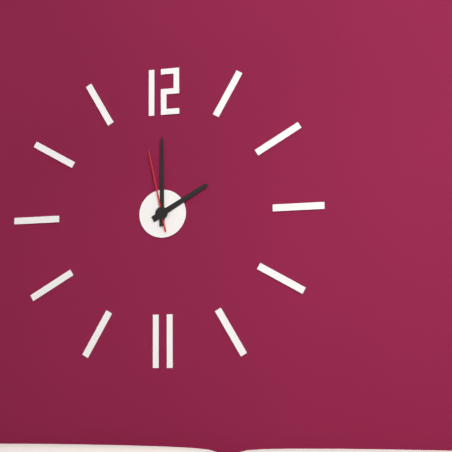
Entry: 2:00:58
